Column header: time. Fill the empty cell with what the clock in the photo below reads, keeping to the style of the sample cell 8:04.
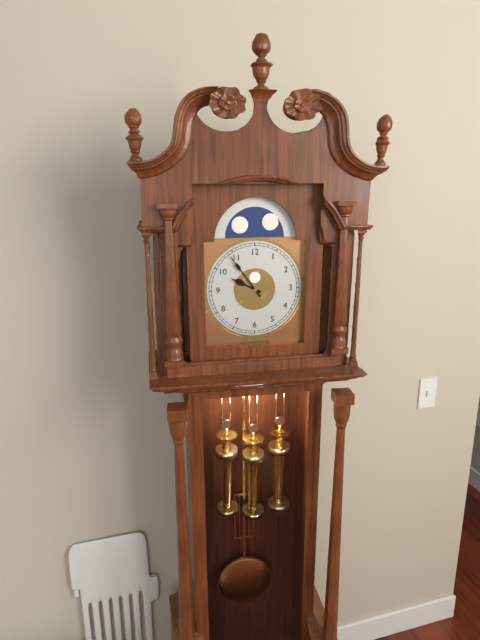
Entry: 9:54
